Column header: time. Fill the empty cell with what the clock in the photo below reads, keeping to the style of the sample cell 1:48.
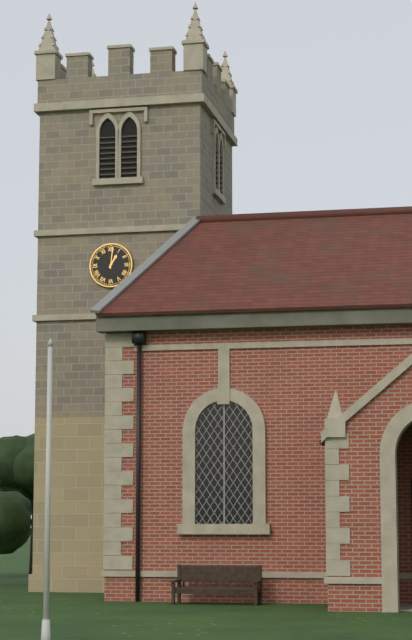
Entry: 1:01
